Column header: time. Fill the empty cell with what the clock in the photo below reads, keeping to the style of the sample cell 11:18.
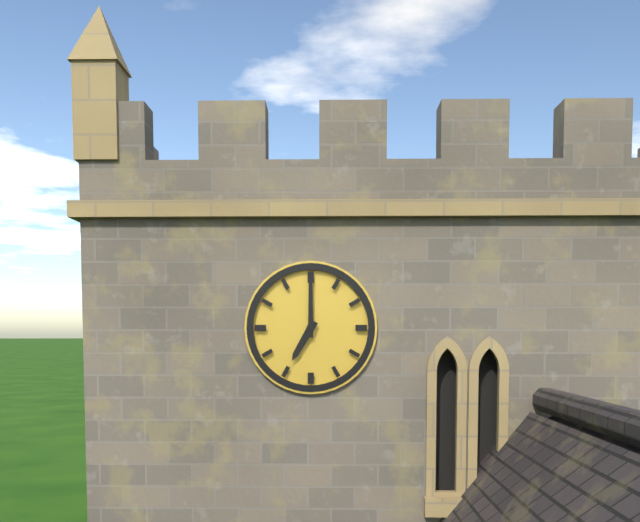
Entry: 7:00
